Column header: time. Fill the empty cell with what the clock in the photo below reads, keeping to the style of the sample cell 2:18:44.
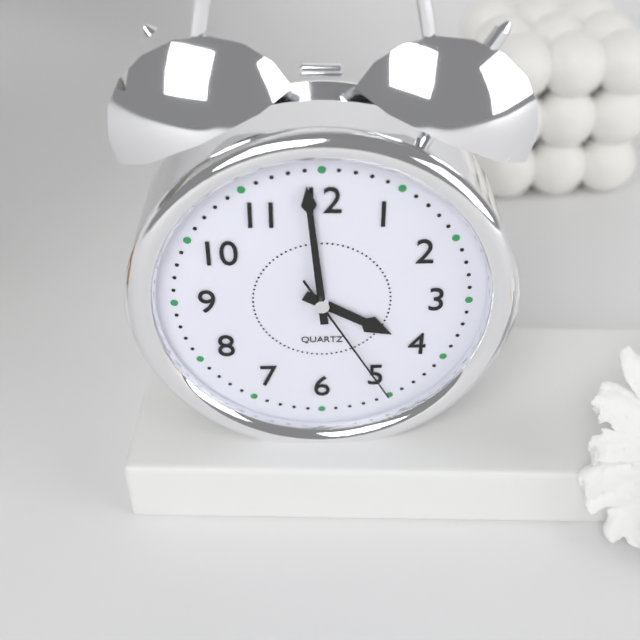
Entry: 3:59:25
